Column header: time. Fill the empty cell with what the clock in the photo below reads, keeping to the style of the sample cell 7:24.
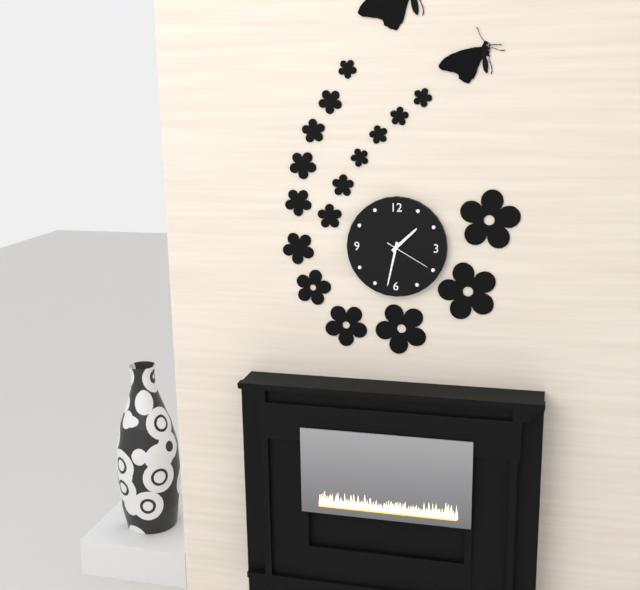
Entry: 1:32
